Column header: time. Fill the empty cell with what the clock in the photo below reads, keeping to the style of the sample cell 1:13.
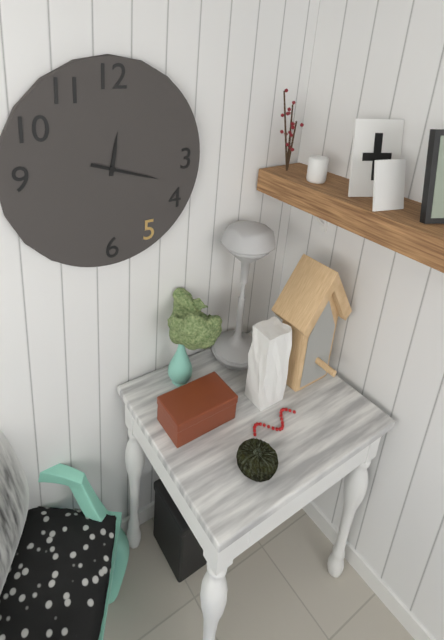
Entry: 12:18
